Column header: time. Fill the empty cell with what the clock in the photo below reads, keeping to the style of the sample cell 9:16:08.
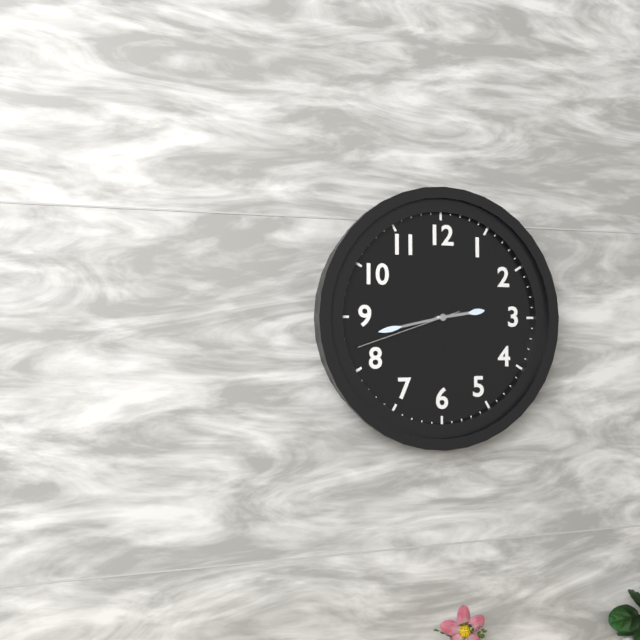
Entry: 2:43:42
